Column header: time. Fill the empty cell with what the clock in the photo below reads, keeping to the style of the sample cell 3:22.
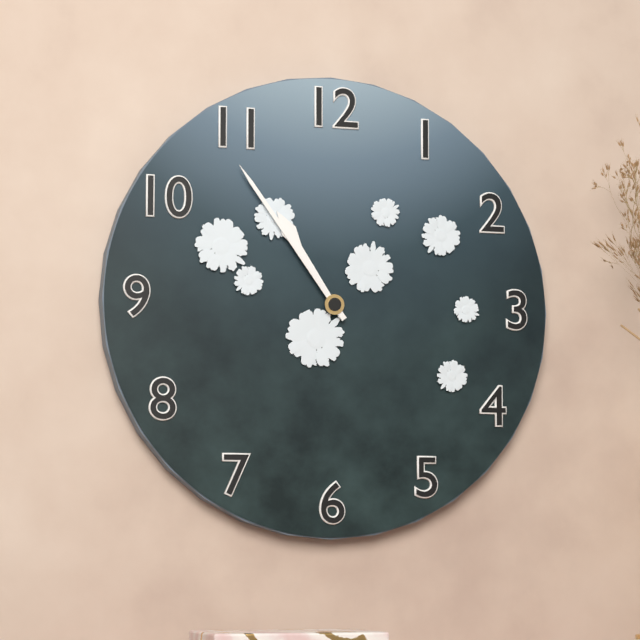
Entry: 10:54
